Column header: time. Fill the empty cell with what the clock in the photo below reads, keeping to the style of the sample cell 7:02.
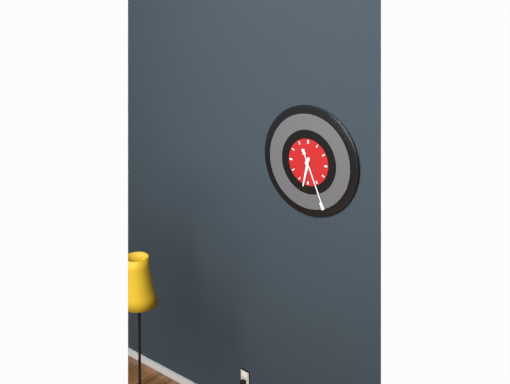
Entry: 6:26
